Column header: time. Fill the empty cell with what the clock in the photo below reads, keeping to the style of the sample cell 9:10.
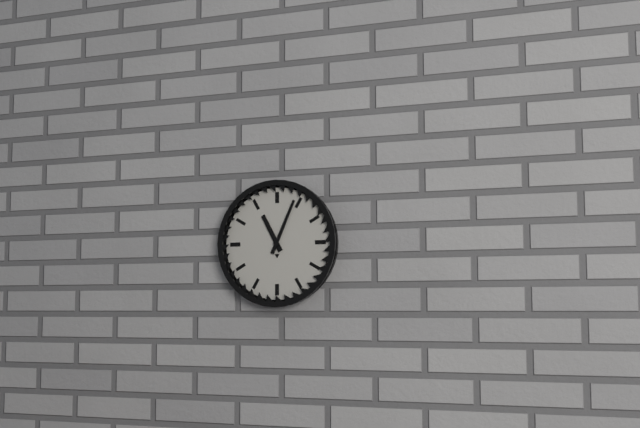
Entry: 11:04
